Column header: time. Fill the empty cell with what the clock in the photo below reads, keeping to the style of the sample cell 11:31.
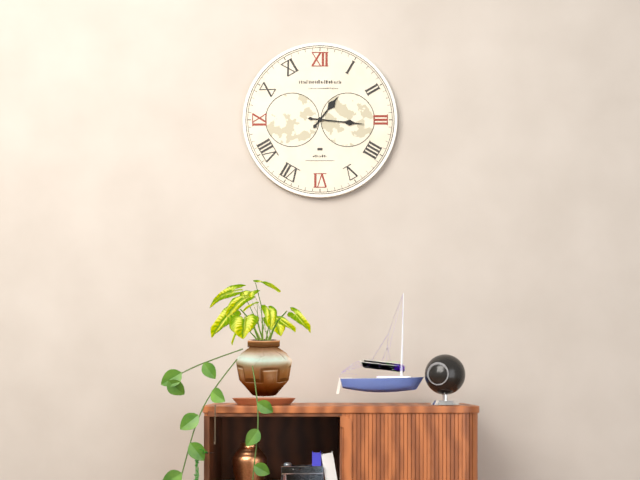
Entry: 1:16
